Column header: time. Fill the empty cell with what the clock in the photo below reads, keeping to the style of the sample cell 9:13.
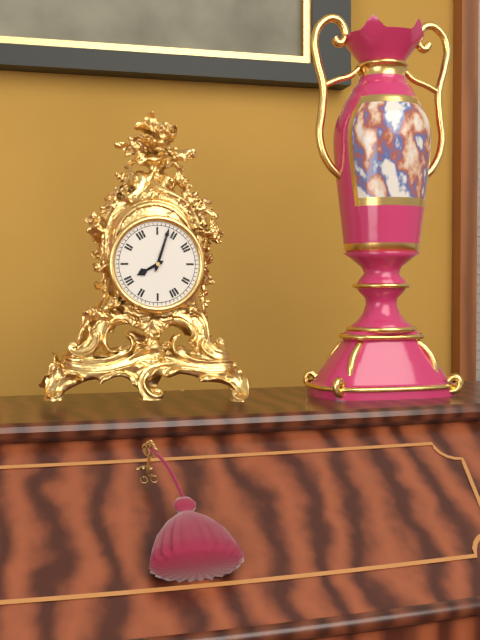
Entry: 8:03
